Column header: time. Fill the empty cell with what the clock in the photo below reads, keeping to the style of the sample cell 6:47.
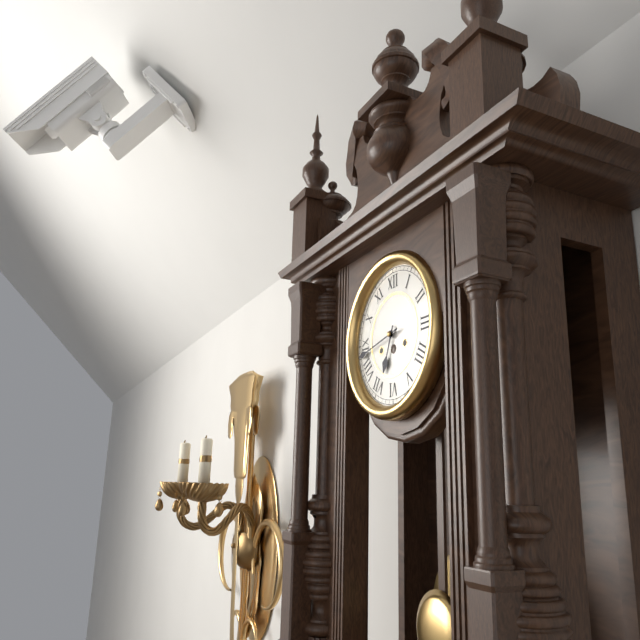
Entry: 6:43
